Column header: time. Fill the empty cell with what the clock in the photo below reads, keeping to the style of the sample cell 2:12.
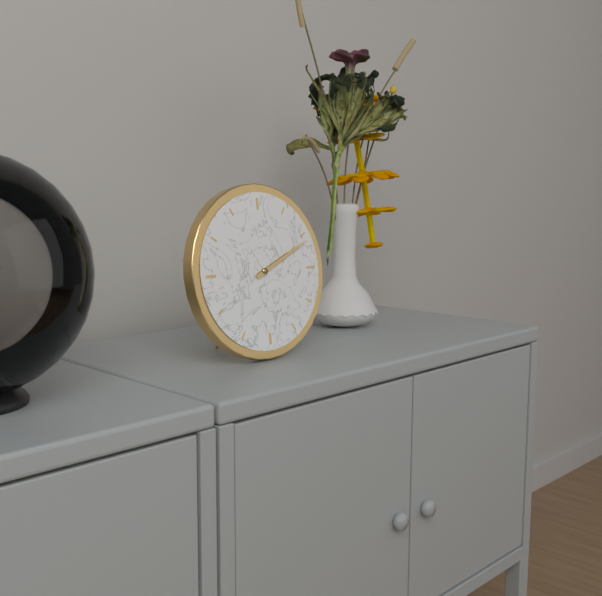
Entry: 2:11
